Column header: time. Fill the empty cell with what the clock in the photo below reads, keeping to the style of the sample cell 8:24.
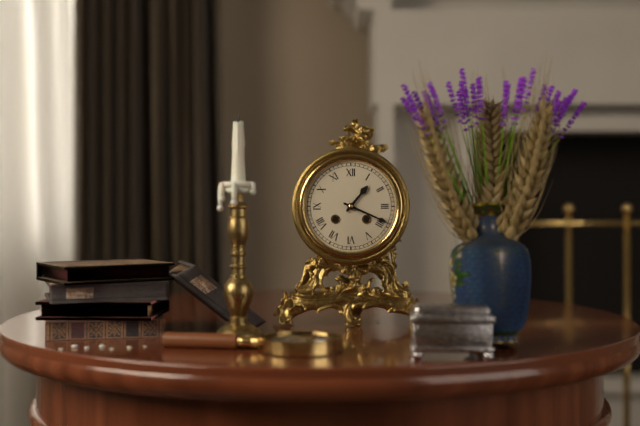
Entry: 1:19
